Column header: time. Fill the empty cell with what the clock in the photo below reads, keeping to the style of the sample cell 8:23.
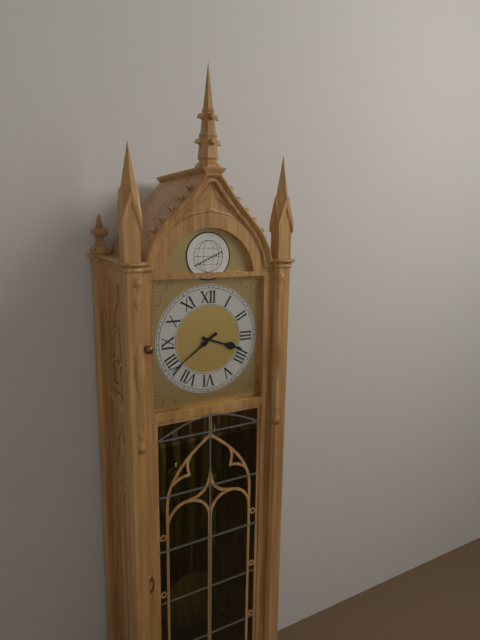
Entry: 3:39
